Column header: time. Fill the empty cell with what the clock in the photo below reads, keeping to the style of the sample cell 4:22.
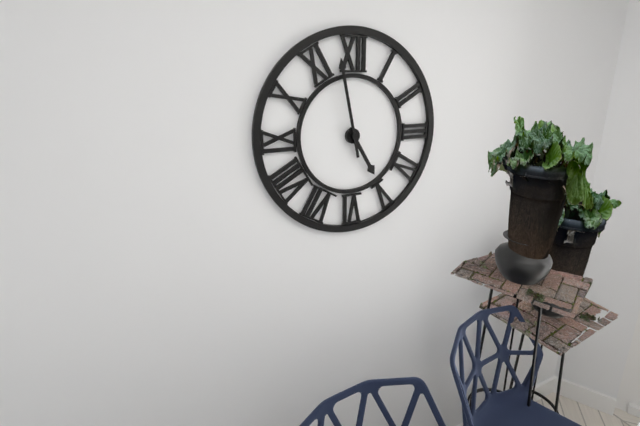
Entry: 4:58
